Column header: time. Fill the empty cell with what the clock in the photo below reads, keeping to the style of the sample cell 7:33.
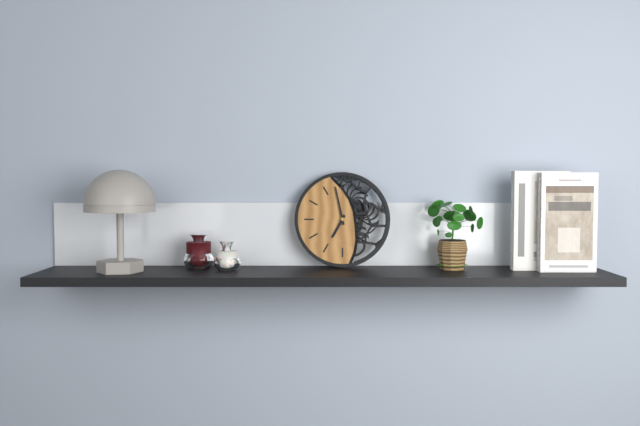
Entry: 6:58
